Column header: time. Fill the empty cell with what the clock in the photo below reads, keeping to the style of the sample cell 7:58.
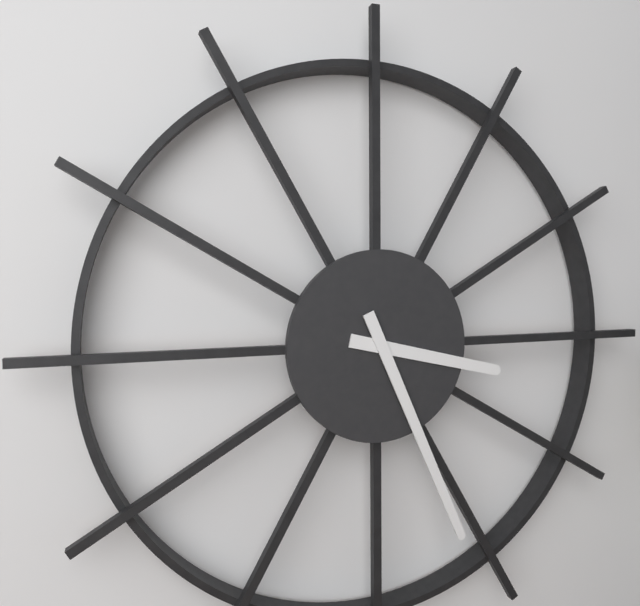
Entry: 3:26
